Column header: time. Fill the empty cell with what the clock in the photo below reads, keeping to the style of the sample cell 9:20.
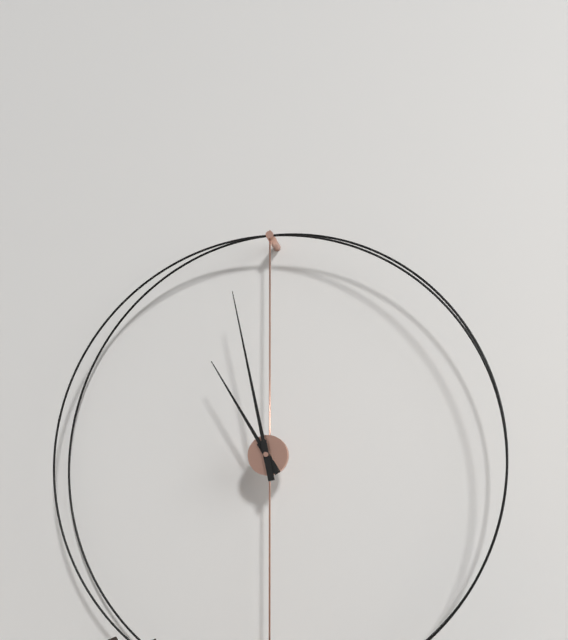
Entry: 10:58
